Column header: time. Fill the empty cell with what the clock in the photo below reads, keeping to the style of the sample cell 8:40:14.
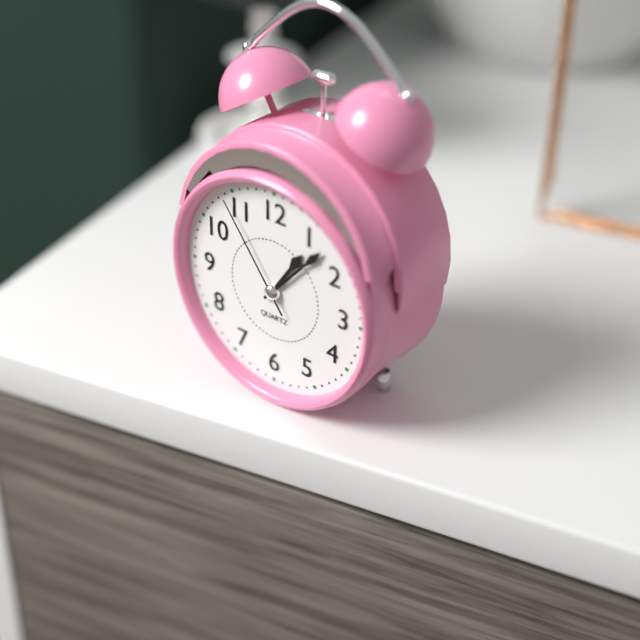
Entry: 1:07:54
